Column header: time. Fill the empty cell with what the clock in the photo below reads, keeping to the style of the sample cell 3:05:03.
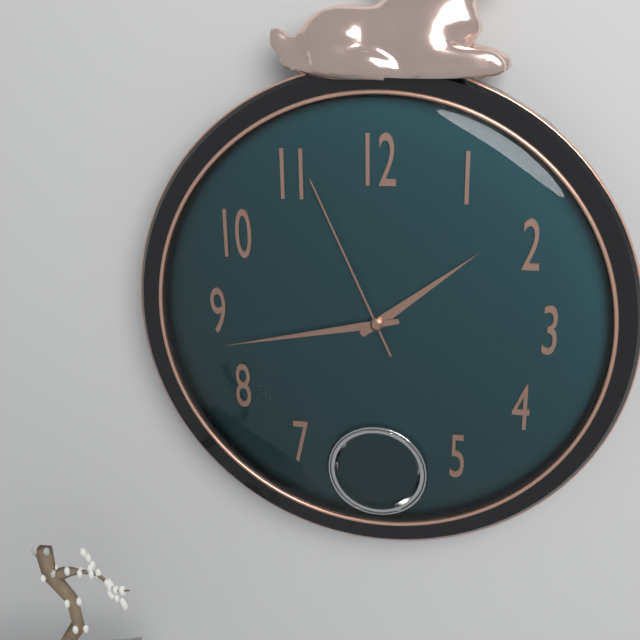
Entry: 1:43:56
